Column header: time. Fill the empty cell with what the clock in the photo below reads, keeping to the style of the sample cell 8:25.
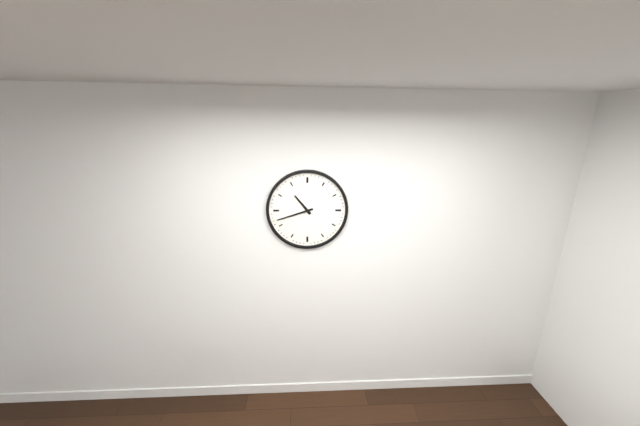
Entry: 10:42
